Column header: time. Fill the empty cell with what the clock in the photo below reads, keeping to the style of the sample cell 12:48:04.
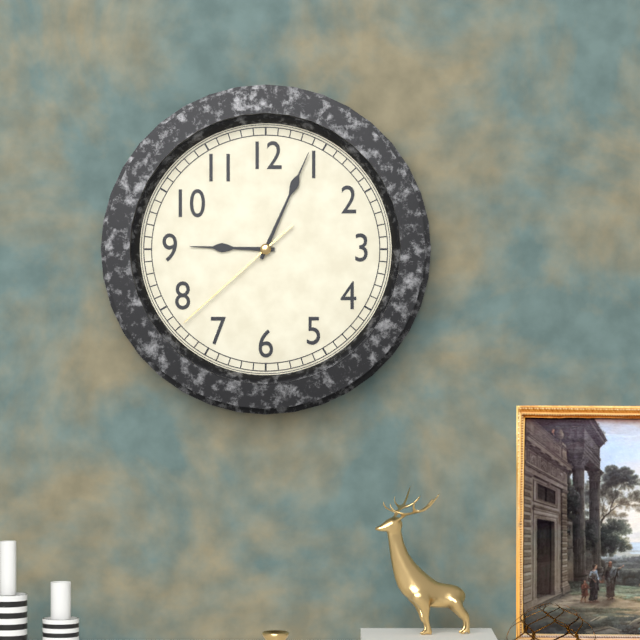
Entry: 9:04:38
